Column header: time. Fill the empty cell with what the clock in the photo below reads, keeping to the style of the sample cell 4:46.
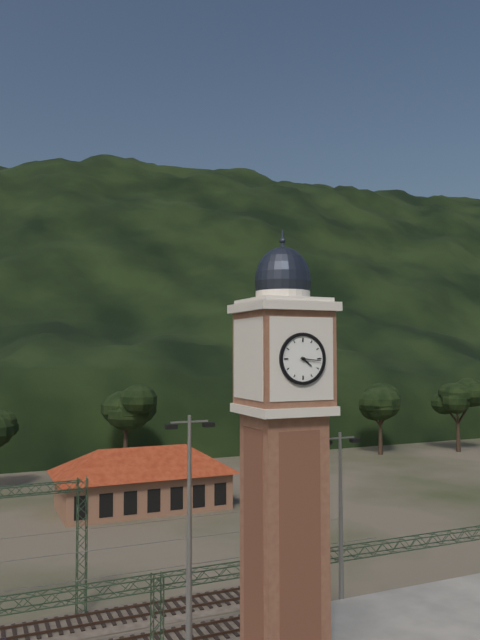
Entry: 4:16
